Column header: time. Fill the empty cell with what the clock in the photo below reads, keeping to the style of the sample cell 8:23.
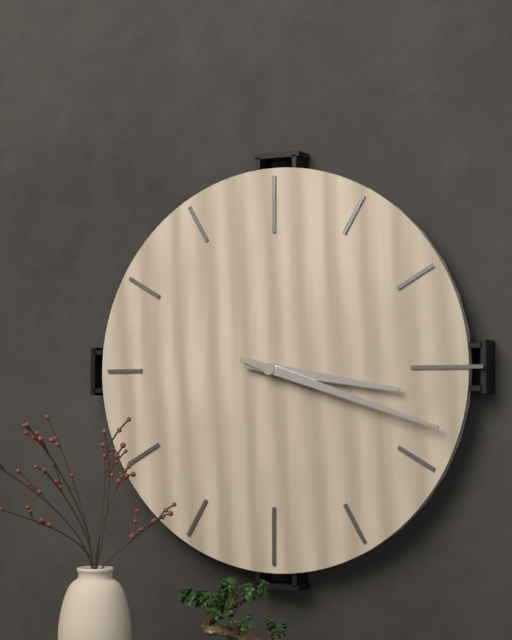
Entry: 3:18
